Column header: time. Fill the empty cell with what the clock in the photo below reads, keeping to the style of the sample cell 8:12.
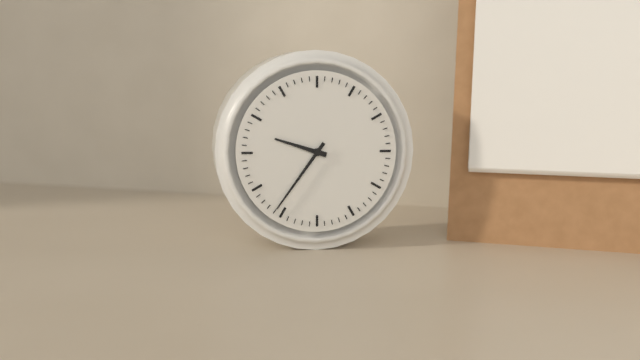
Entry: 9:36
